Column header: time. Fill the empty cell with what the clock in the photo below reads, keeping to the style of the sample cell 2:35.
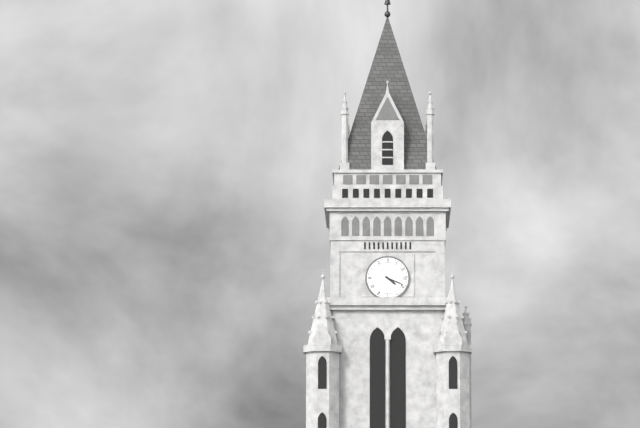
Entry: 4:19
